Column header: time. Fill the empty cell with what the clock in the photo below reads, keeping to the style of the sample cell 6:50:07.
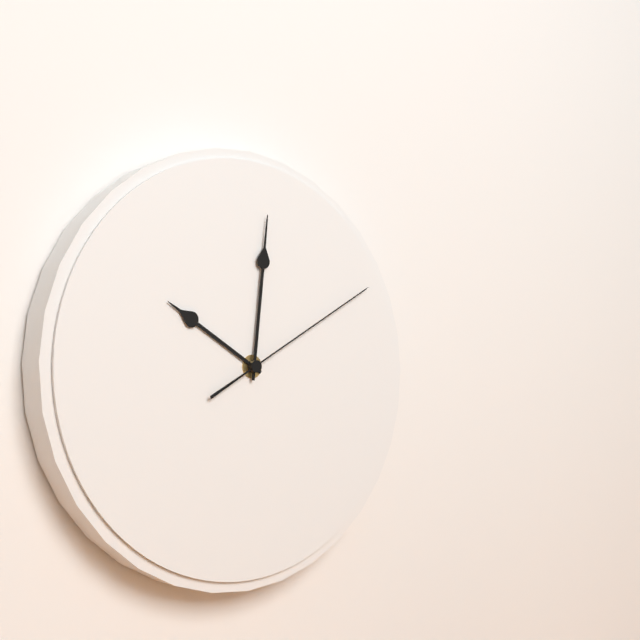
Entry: 10:01:10
